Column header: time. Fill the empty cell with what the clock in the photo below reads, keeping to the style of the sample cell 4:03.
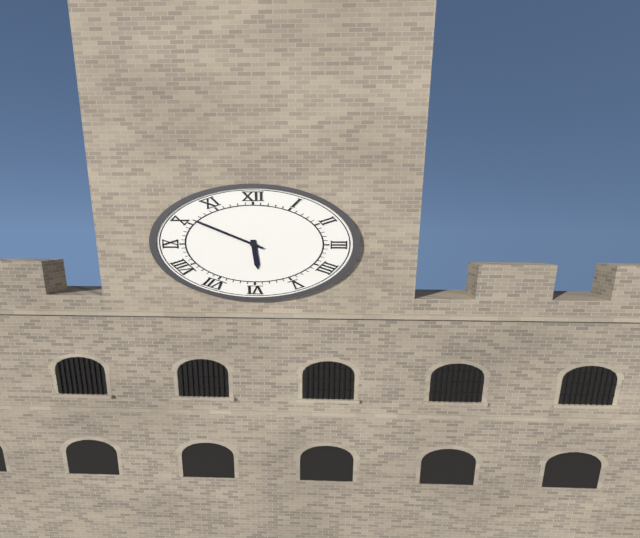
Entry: 5:51
